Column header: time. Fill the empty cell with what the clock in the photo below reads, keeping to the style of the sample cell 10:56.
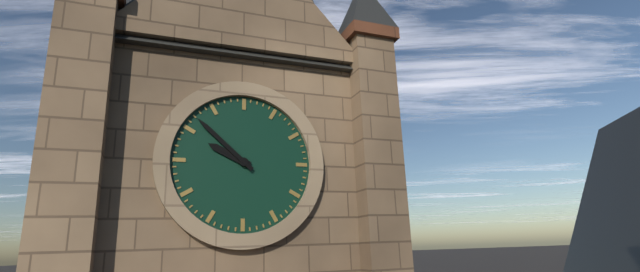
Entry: 9:52
